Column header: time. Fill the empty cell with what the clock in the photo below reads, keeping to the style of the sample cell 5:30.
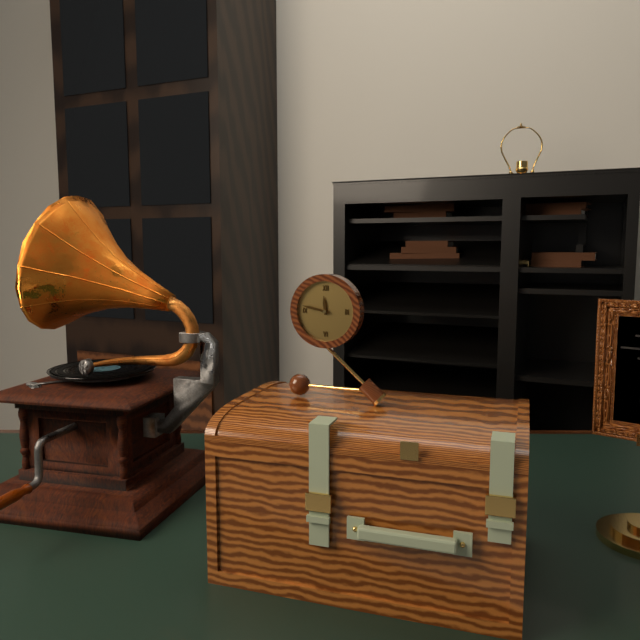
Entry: 11:47
